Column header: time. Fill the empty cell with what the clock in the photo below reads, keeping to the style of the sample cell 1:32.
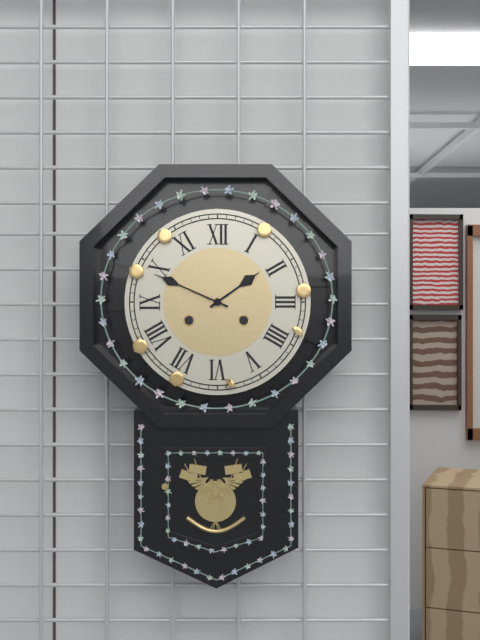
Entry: 1:49
